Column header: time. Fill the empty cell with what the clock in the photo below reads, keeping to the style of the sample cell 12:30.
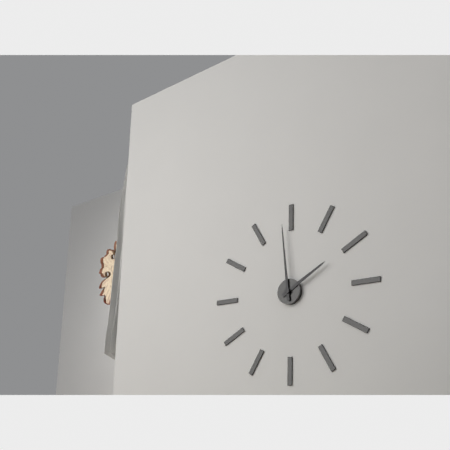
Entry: 1:59
